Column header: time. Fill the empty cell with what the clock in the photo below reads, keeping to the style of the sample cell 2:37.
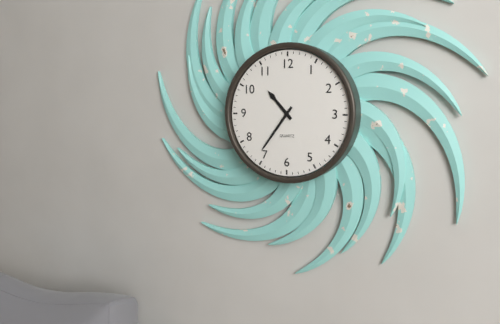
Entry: 10:36
